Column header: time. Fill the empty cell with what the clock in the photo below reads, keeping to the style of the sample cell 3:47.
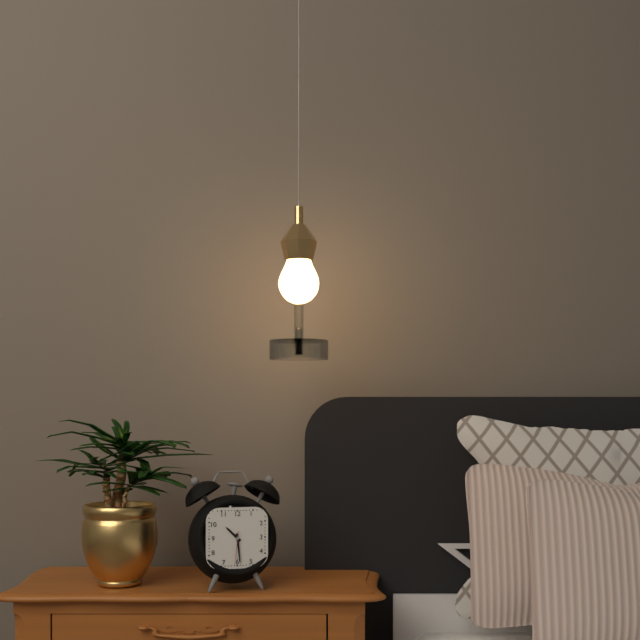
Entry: 10:29
